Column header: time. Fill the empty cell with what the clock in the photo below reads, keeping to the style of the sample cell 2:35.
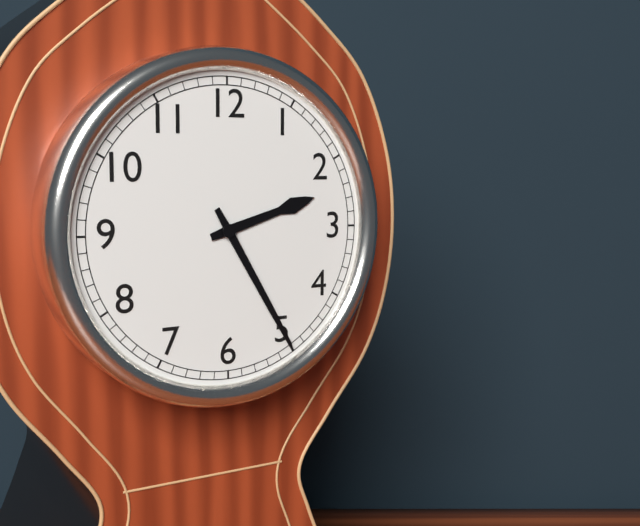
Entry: 2:25
